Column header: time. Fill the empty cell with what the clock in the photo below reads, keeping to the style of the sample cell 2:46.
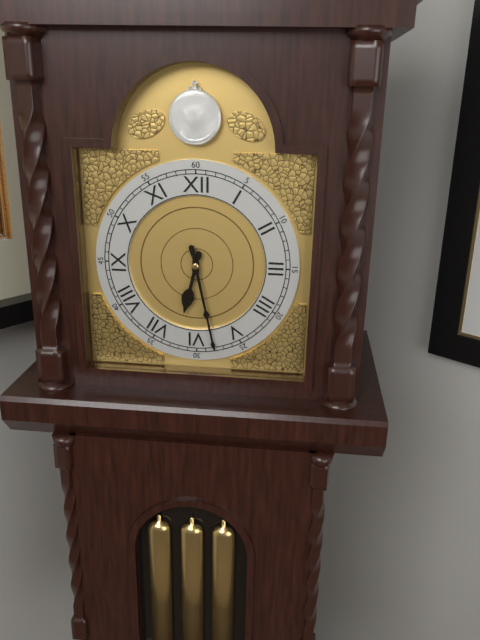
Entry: 6:28
